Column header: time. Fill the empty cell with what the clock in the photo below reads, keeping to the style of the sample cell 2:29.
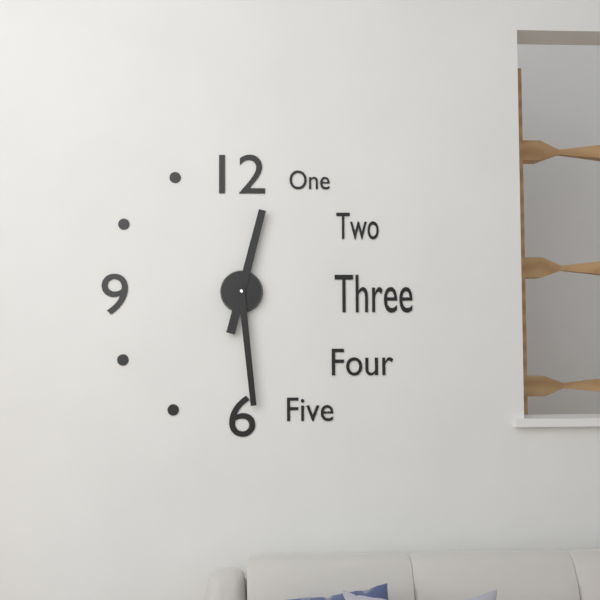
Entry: 12:29
